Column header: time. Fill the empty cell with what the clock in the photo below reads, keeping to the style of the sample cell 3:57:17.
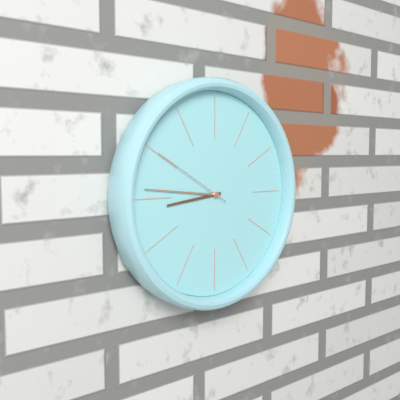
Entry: 8:46:50
